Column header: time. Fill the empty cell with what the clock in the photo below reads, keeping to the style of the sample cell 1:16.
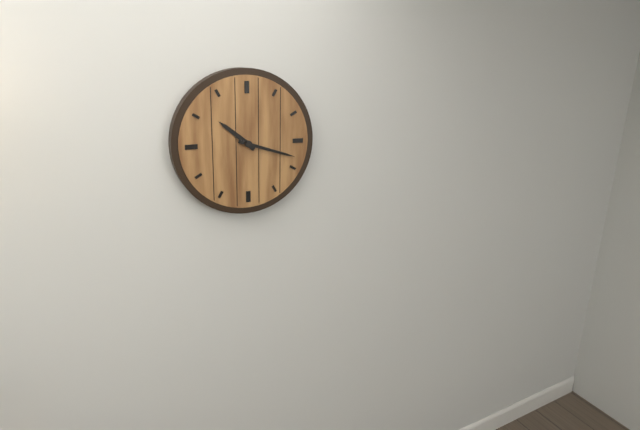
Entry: 10:18
